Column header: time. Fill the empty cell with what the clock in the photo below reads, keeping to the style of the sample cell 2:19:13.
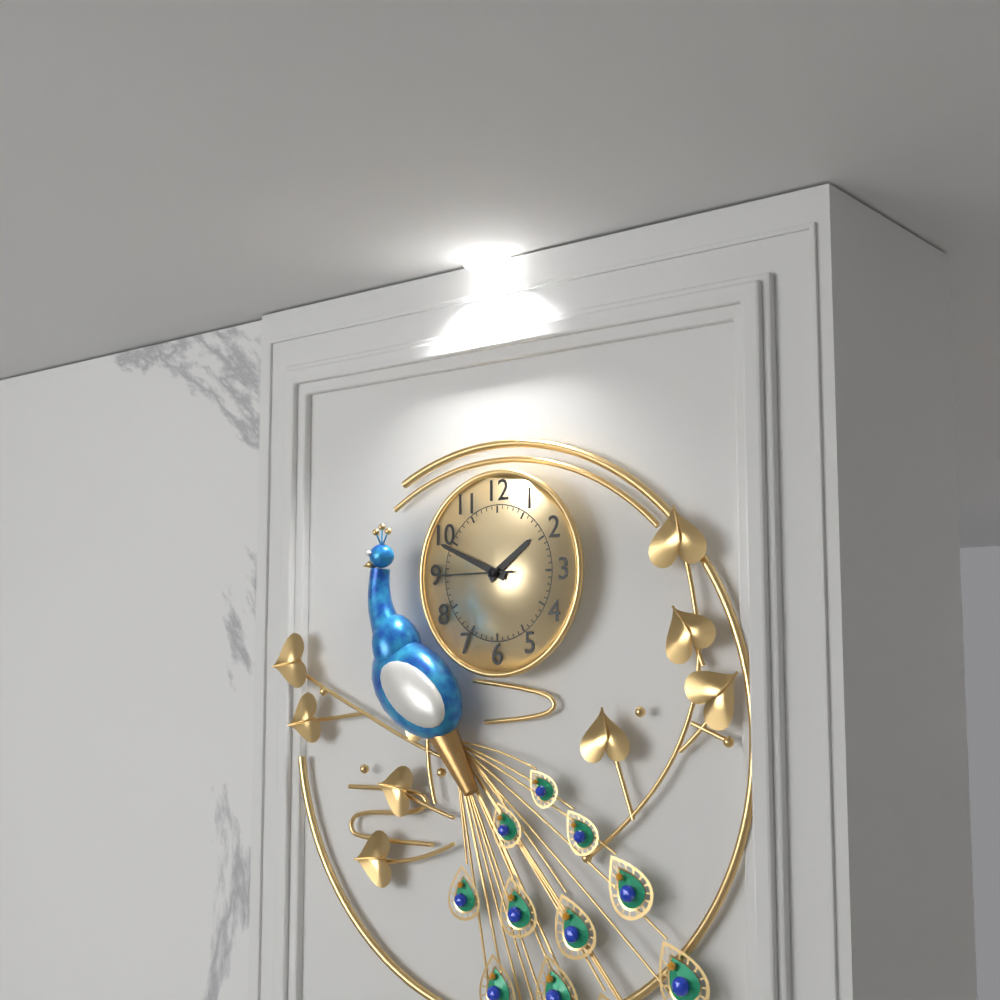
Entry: 1:49:45
